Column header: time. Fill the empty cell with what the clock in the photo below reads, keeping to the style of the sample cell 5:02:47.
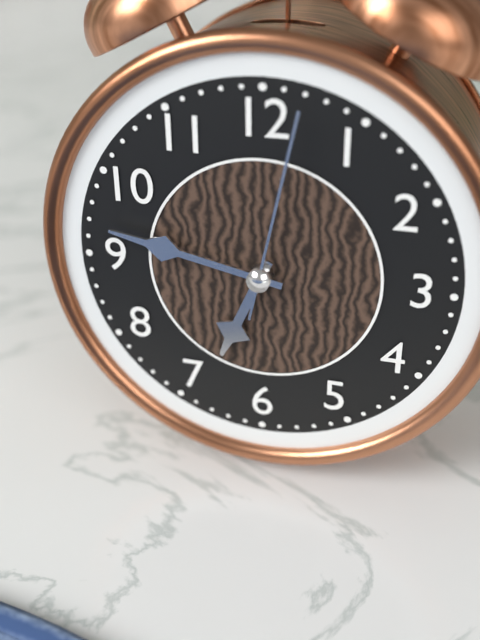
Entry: 6:47:02
